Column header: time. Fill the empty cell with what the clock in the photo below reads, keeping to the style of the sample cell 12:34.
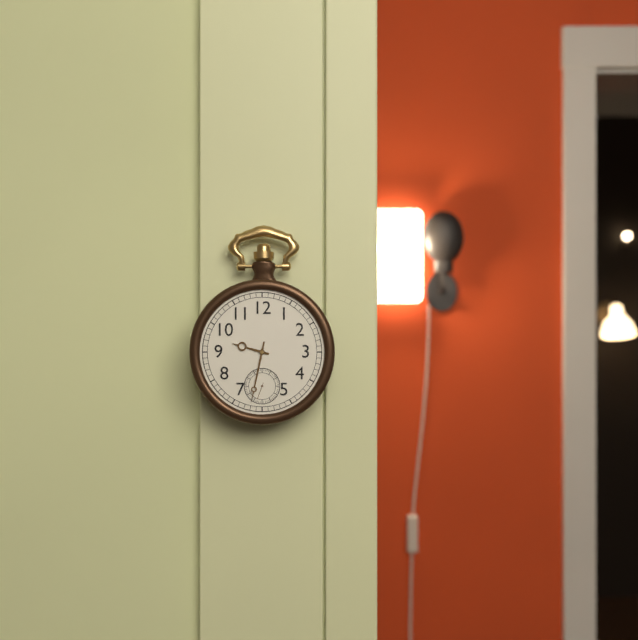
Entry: 9:32
